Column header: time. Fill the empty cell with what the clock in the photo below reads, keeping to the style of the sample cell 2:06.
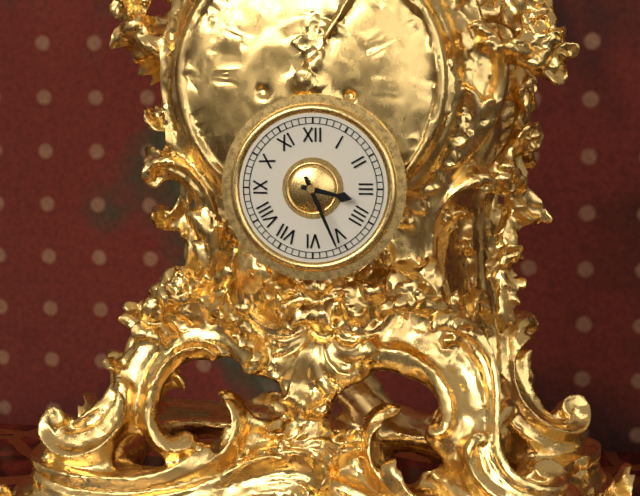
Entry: 3:26
